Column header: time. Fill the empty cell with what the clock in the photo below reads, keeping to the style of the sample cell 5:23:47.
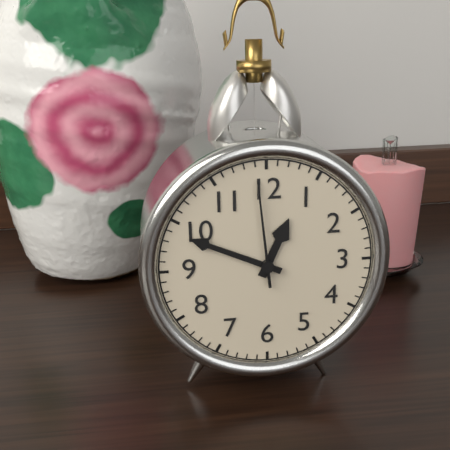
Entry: 12:49:59
